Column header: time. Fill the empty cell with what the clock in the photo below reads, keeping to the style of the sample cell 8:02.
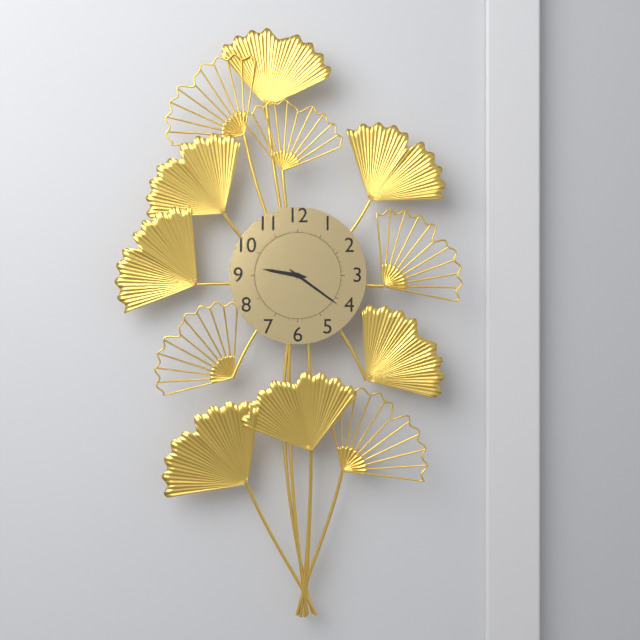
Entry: 9:21
